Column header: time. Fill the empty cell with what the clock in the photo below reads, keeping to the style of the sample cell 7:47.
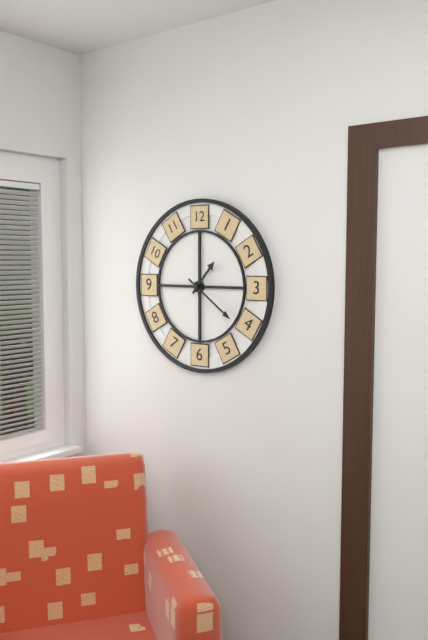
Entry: 1:21
